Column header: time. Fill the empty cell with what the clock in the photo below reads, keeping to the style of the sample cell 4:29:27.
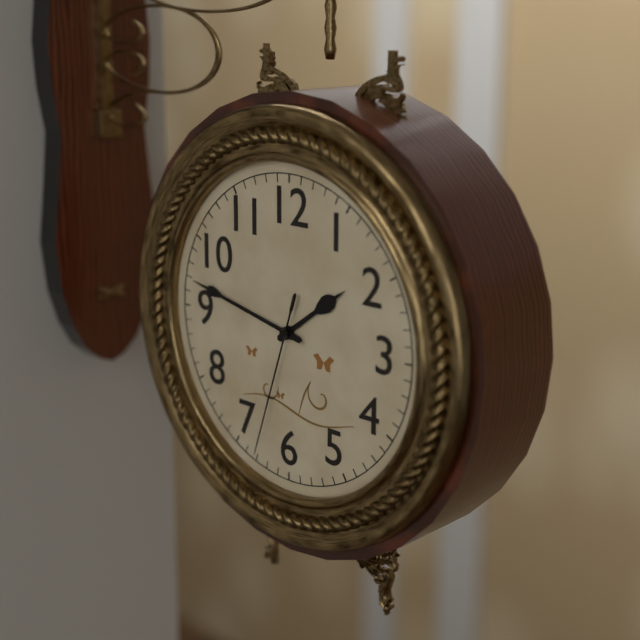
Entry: 1:47:33
